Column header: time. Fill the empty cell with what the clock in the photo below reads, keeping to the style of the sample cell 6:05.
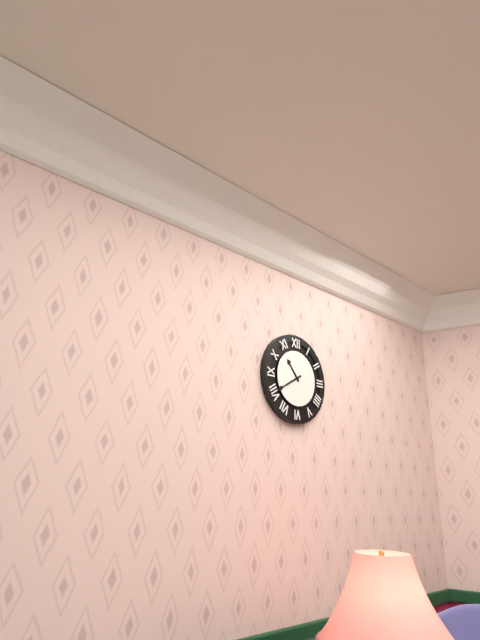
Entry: 10:40
